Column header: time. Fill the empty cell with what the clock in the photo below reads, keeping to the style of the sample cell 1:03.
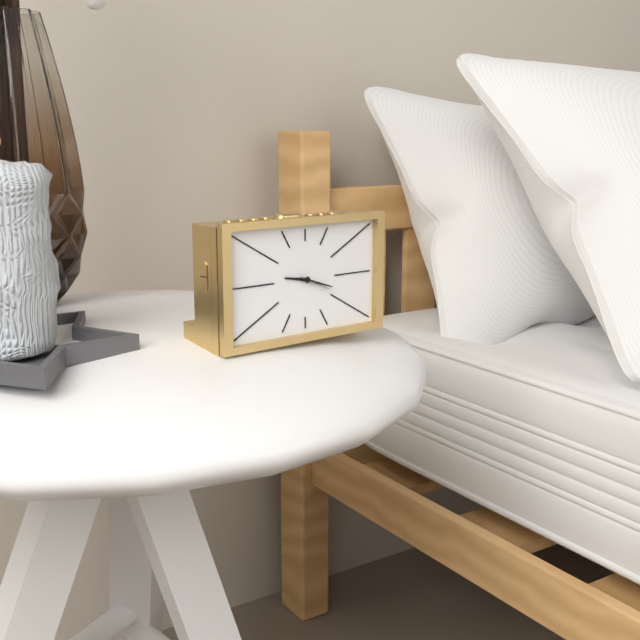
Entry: 9:18
